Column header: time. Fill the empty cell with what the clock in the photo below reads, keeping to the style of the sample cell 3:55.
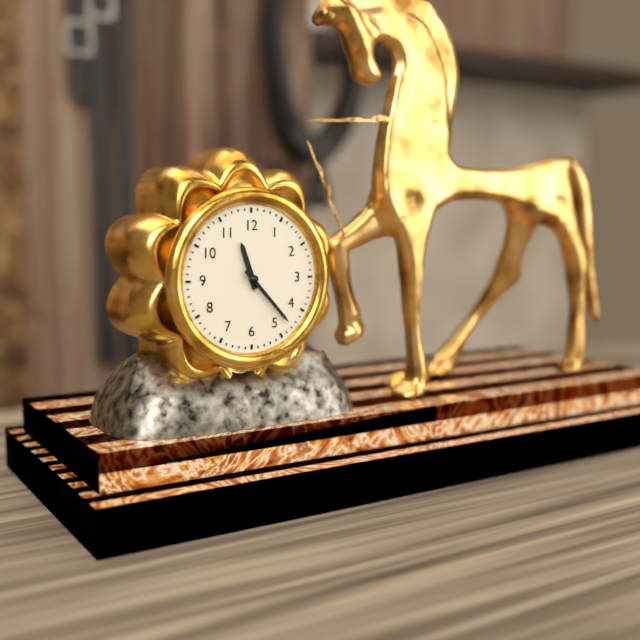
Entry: 11:23
